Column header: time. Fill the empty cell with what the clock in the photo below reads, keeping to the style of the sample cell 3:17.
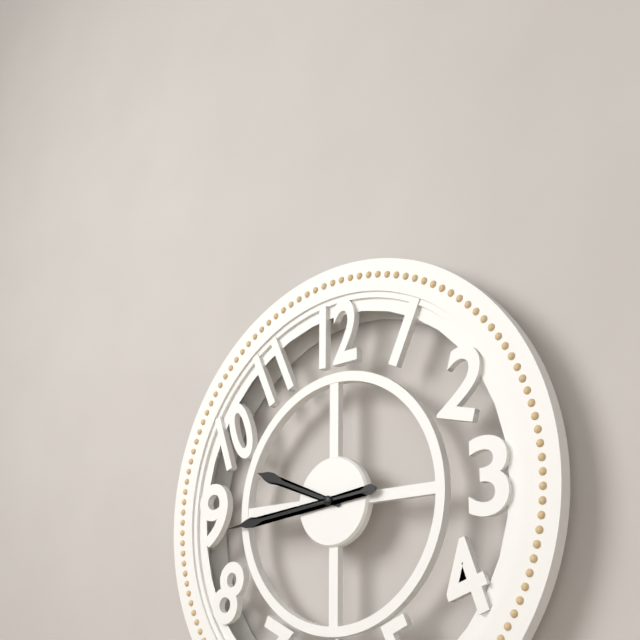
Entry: 9:44
